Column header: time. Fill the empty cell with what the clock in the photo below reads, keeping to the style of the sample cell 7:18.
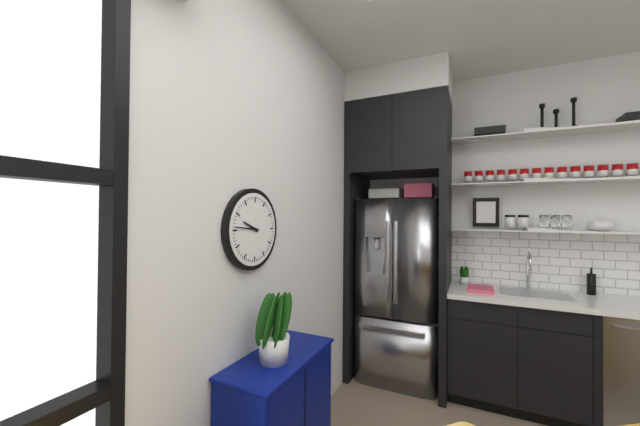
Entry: 9:46
